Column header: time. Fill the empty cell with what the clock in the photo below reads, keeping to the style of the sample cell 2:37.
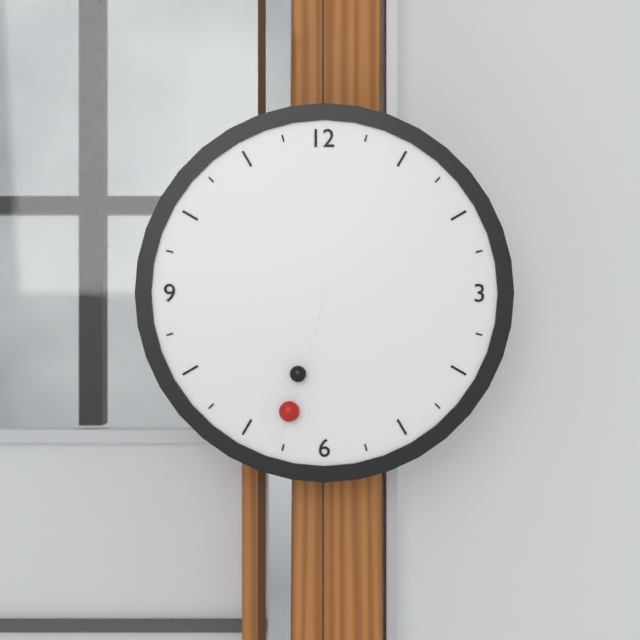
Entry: 6:33
